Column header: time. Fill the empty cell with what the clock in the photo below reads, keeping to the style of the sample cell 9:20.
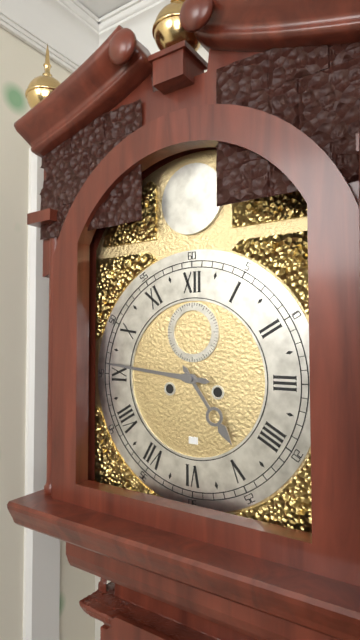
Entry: 4:46
